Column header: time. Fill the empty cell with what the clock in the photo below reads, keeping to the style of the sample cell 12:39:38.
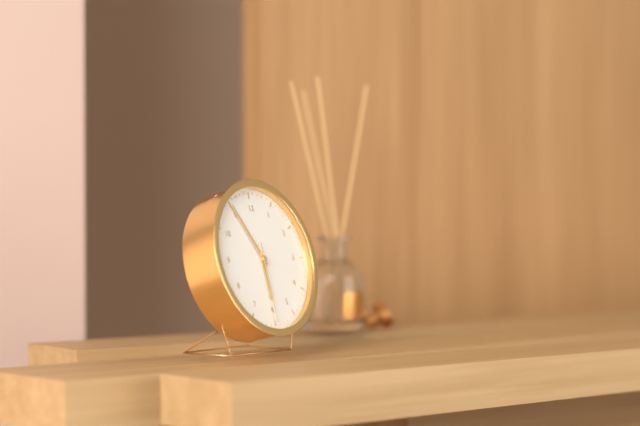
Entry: 5:55:30
